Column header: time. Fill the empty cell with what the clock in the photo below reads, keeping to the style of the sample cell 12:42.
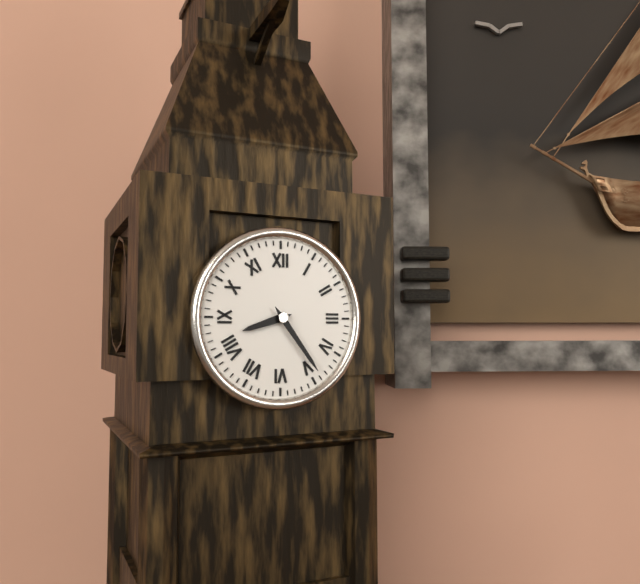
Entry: 8:24
